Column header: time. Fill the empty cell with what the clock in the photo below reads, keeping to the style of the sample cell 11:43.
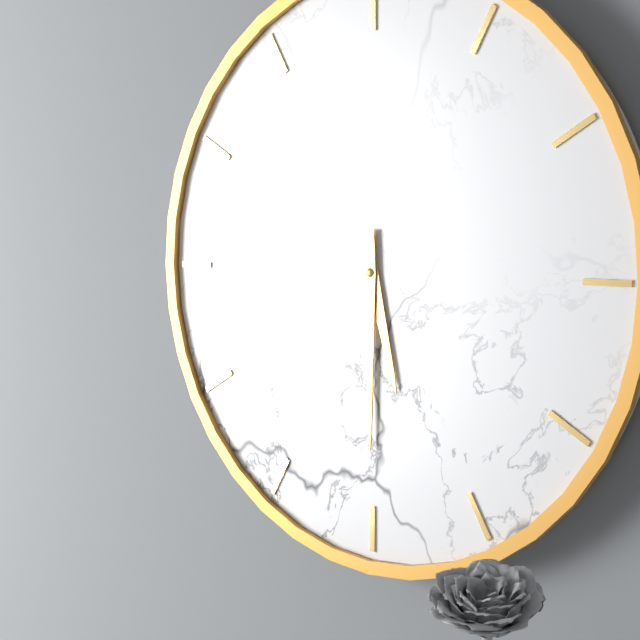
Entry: 5:30
